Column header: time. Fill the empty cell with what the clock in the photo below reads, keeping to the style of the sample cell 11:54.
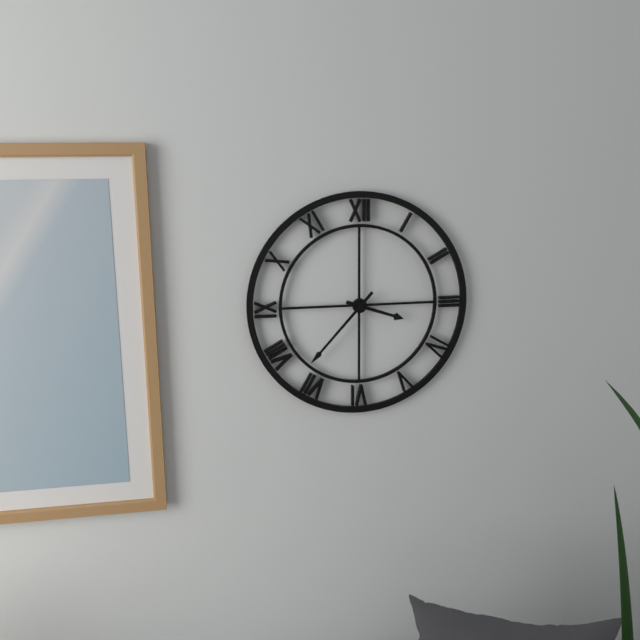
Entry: 3:37
